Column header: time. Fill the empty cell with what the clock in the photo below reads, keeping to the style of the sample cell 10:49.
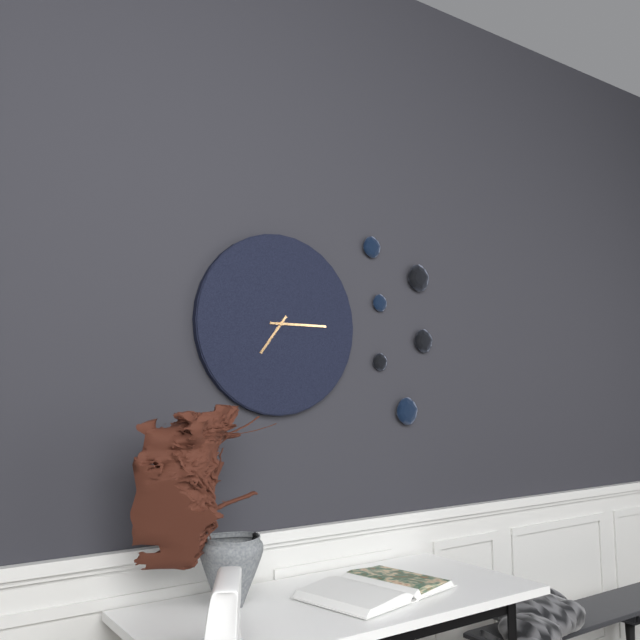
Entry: 7:15
